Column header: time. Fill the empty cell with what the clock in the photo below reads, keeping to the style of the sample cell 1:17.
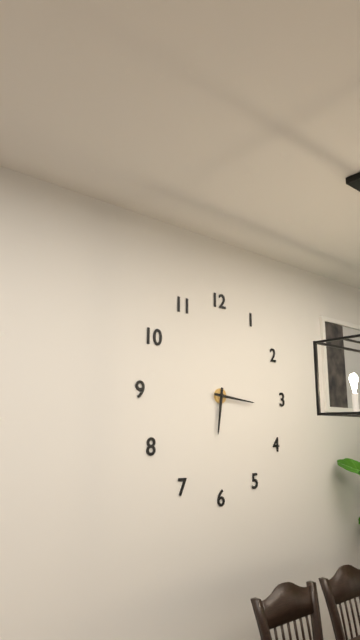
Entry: 6:16
